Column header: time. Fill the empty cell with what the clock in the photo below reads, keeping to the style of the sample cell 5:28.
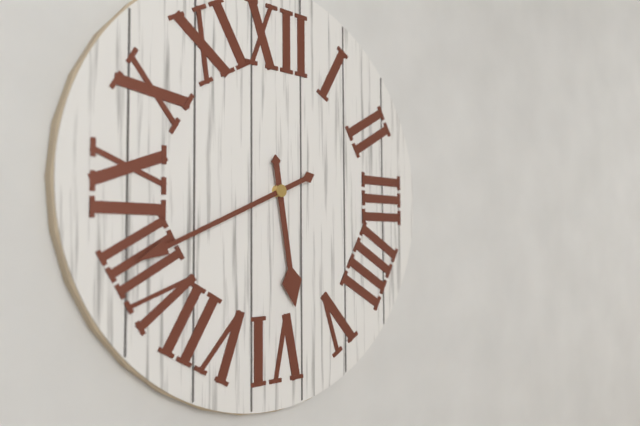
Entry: 5:41
